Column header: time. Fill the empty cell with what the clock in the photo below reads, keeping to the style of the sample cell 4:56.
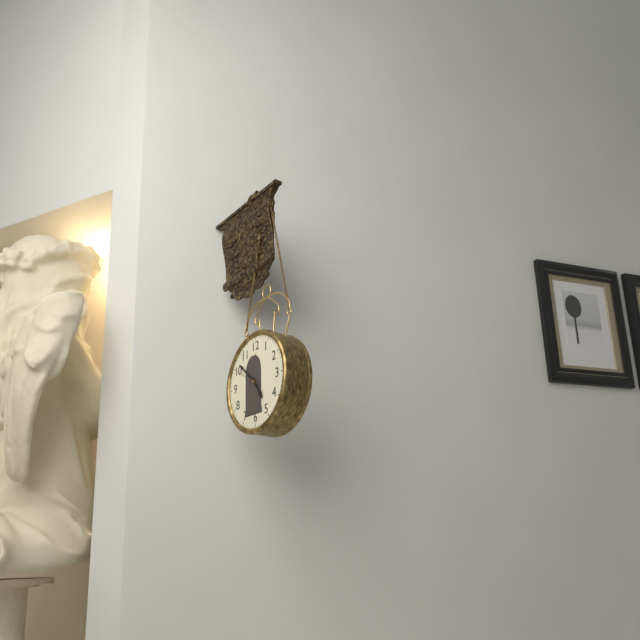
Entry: 4:52
